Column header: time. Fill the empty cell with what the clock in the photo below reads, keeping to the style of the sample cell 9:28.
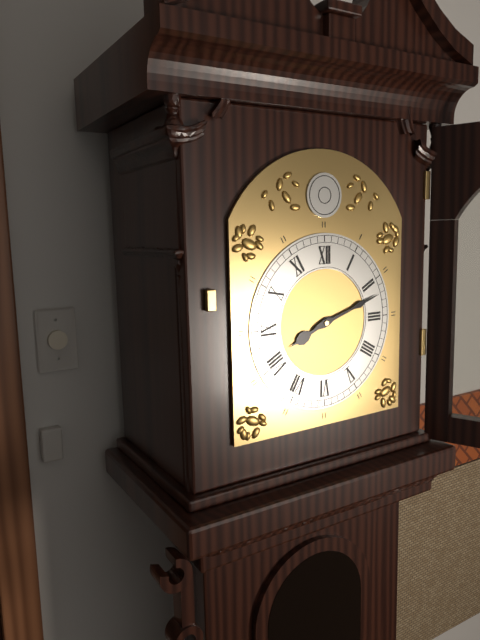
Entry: 8:12
